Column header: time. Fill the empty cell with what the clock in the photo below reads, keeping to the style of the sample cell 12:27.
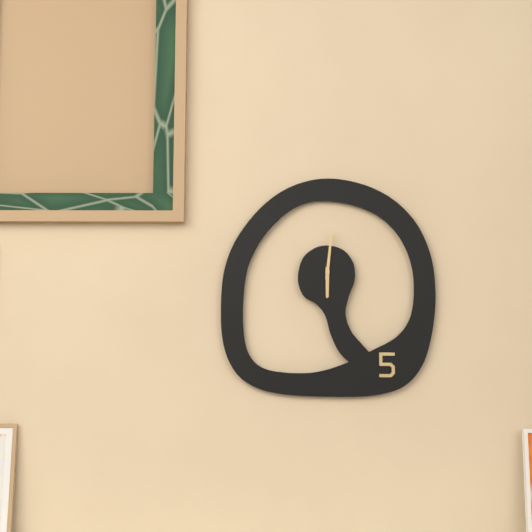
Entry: 6:01
